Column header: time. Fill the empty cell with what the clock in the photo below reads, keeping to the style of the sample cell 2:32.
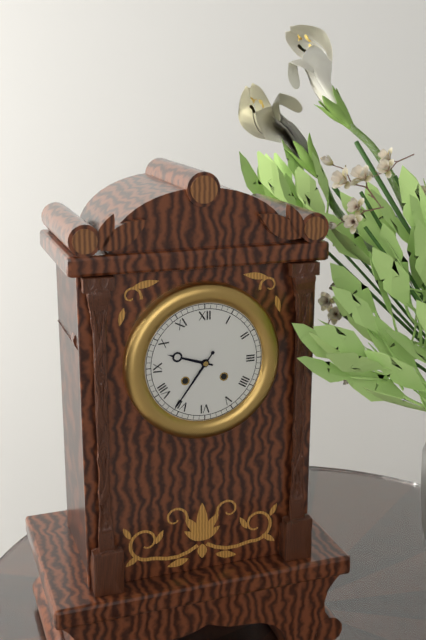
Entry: 9:36
